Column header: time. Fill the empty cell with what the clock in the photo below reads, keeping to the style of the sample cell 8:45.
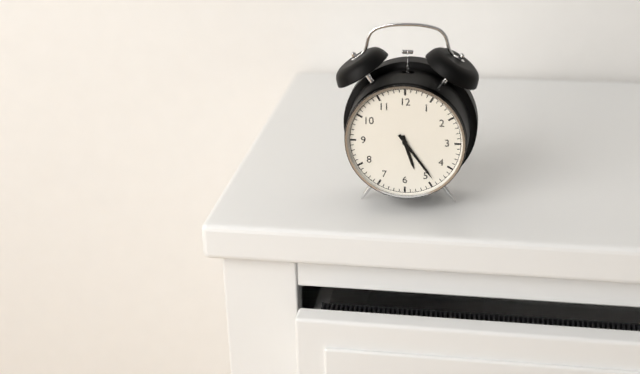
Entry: 5:24
